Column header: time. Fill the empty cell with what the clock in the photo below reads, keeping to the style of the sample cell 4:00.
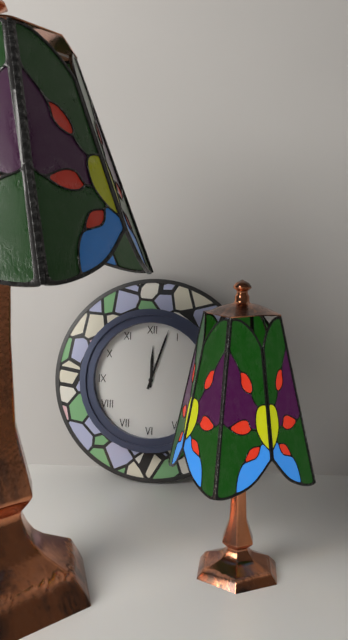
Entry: 12:03
